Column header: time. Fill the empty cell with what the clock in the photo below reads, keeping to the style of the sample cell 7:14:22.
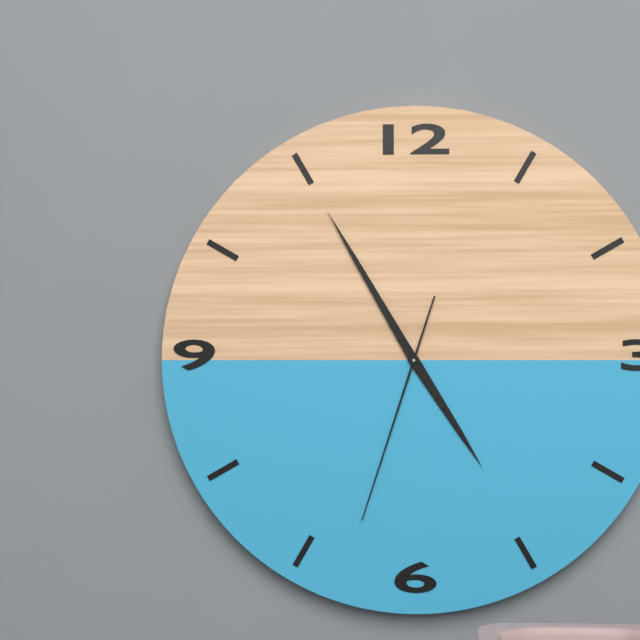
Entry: 4:55:33
